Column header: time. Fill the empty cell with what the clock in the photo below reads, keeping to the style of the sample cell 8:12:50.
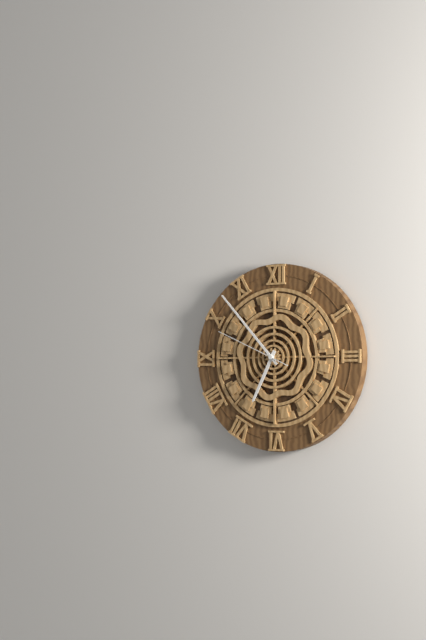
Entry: 6:53:49
